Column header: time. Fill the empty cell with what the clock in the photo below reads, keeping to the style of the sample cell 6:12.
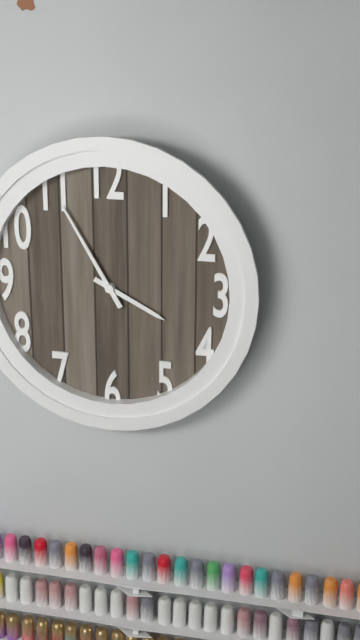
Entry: 3:55
